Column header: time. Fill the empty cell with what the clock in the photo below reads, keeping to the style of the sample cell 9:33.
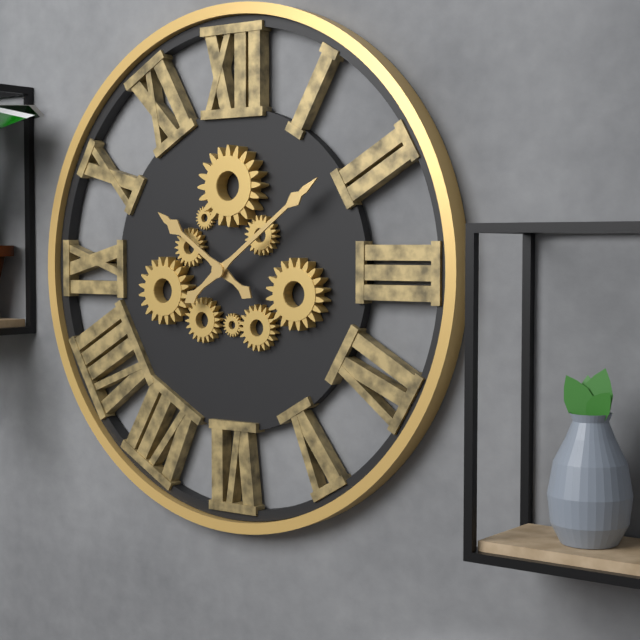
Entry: 10:09
